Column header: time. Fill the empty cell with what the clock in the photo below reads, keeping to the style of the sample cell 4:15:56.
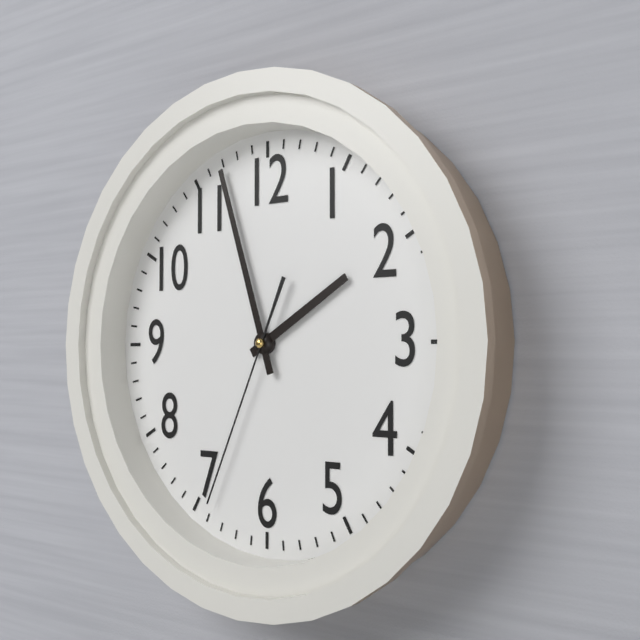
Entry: 1:57:34
